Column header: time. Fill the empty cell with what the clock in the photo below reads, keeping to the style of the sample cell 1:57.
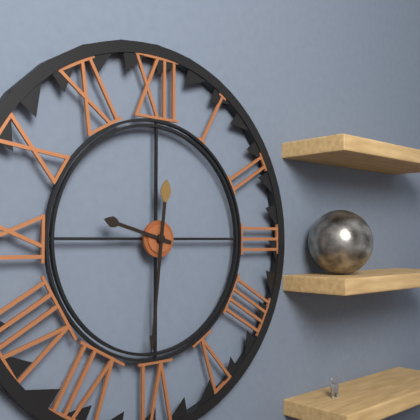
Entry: 9:31
